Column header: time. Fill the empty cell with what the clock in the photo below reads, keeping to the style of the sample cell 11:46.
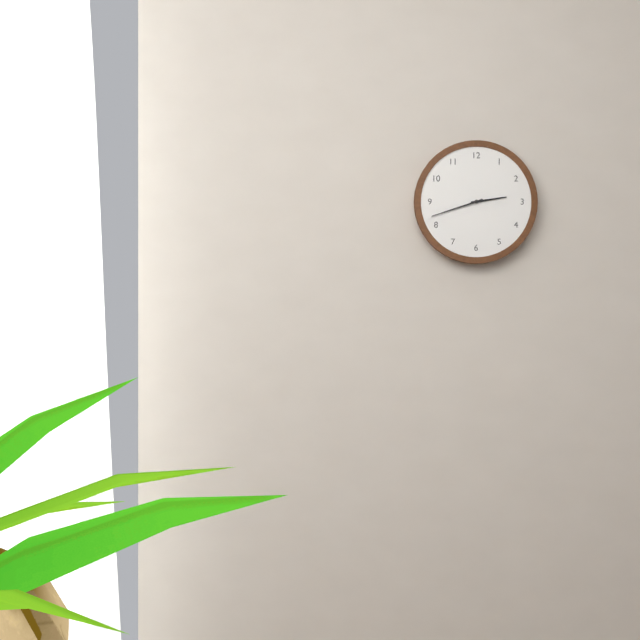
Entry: 2:42
